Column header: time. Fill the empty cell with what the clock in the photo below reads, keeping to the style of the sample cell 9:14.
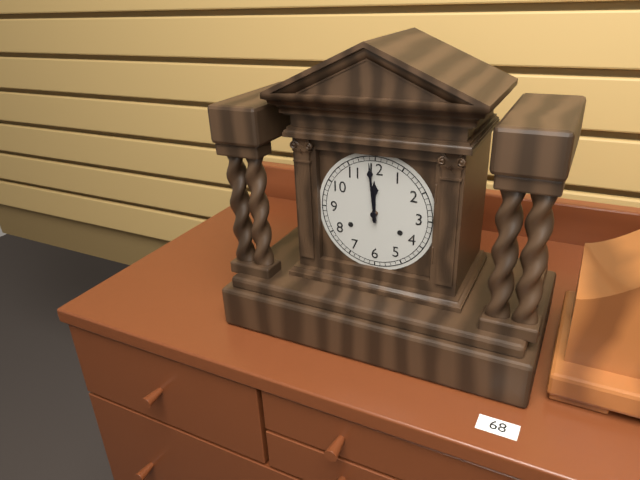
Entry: 11:59
